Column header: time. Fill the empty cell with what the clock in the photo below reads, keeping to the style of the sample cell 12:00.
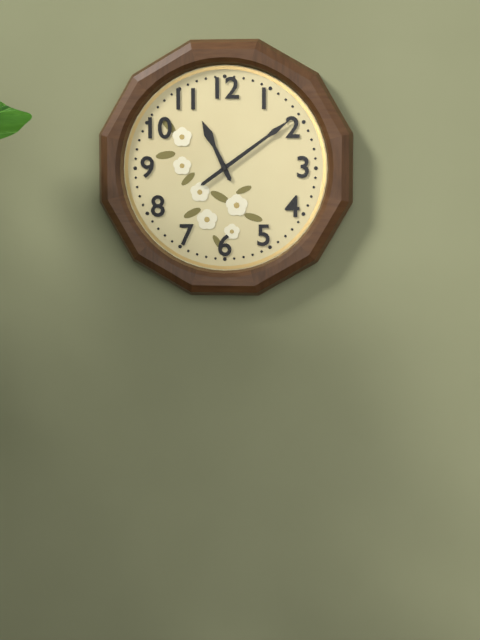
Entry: 11:09
